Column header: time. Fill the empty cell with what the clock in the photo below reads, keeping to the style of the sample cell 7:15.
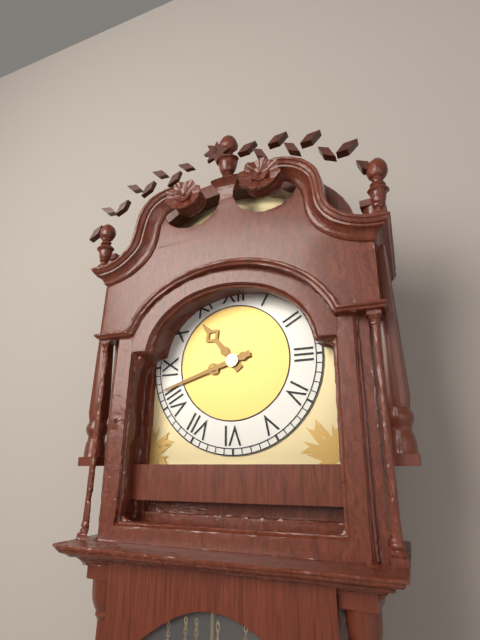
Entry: 10:42
